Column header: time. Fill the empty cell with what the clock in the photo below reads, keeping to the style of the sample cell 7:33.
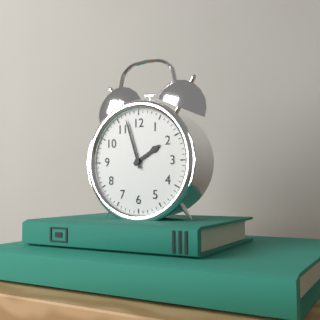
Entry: 1:57
